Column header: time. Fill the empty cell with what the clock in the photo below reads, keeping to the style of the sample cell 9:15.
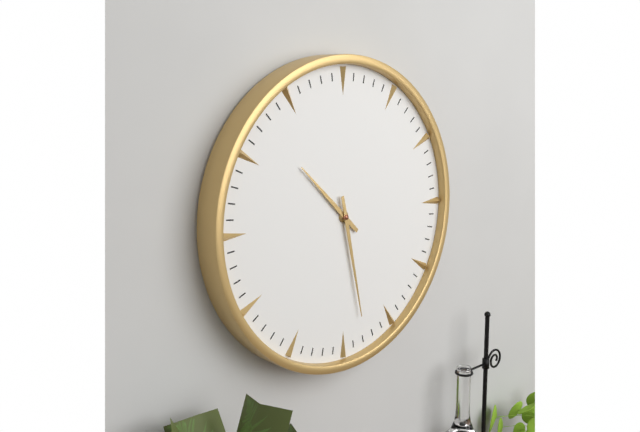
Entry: 10:28
